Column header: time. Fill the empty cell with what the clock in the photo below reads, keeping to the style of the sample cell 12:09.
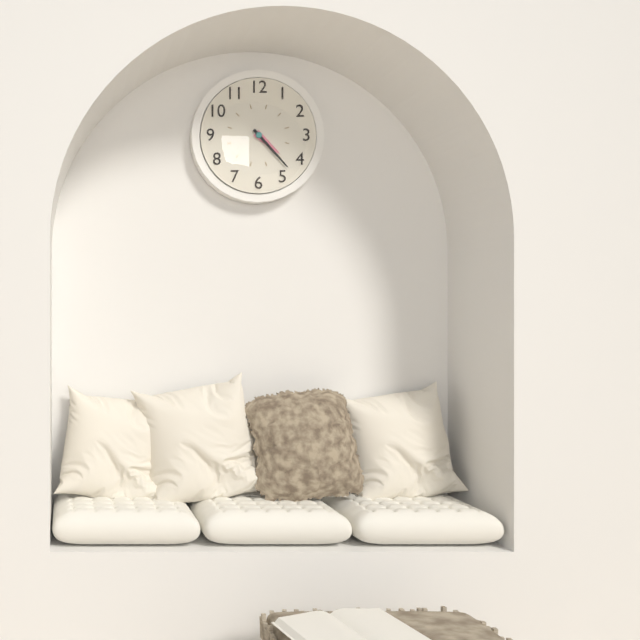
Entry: 4:23
